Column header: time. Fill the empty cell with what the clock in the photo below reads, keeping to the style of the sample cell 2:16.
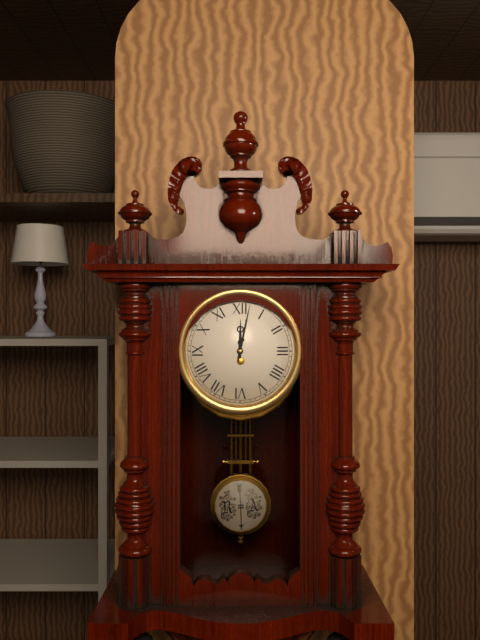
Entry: 12:02
